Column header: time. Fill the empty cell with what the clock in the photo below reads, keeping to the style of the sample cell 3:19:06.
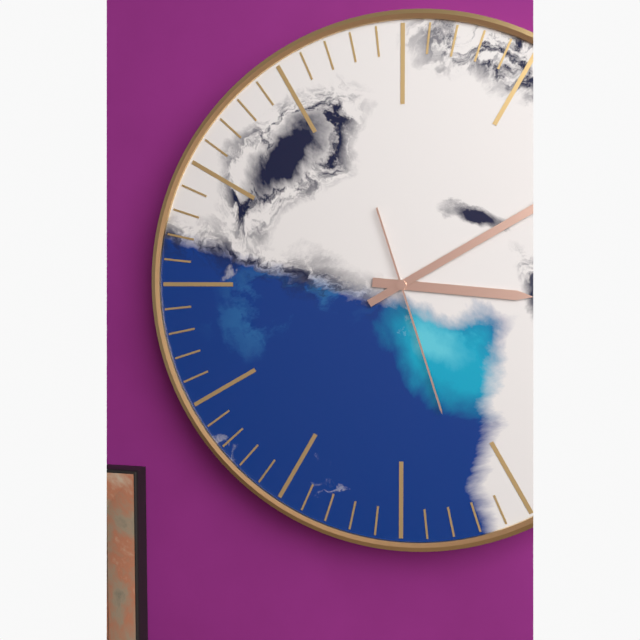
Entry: 3:10:27
